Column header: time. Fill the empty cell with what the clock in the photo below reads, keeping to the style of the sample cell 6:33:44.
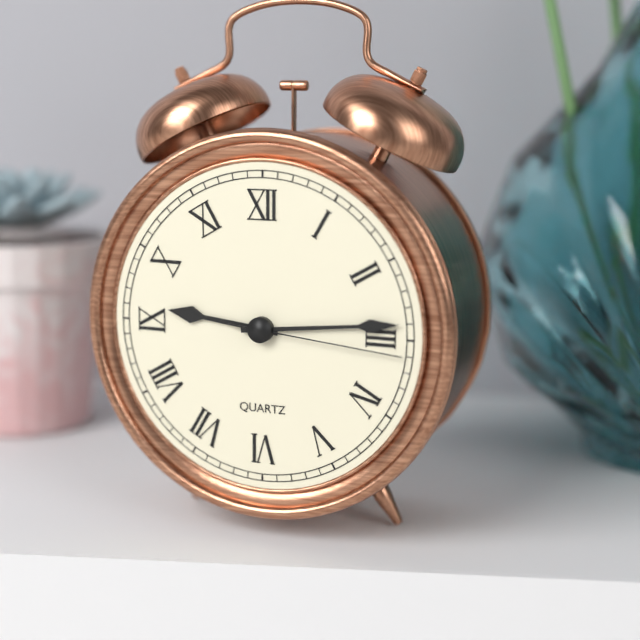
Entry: 9:14:16
